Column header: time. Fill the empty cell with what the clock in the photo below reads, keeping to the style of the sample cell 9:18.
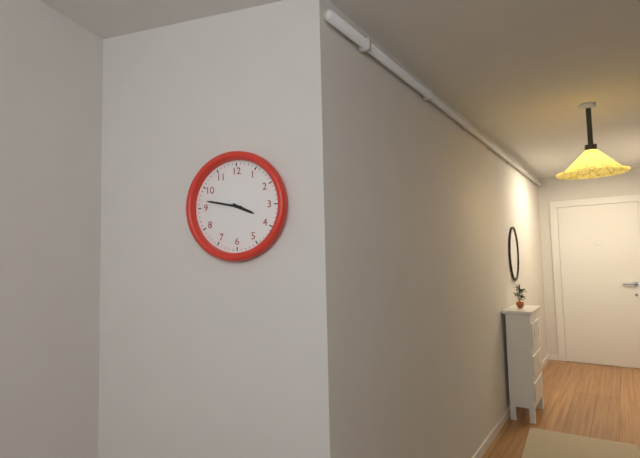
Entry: 3:47
